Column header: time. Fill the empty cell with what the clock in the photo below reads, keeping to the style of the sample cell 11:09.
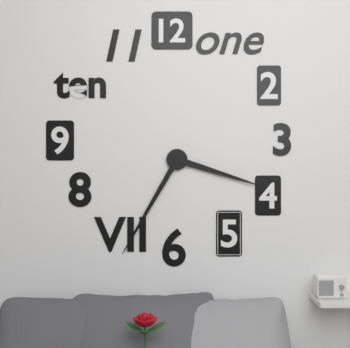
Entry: 3:35
